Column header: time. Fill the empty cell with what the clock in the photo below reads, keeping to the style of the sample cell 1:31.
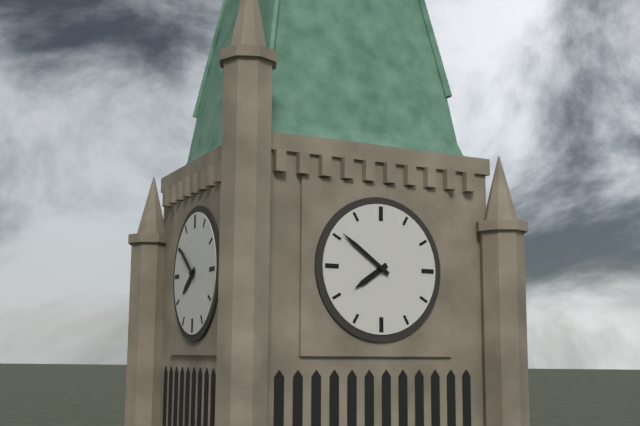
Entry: 7:51
